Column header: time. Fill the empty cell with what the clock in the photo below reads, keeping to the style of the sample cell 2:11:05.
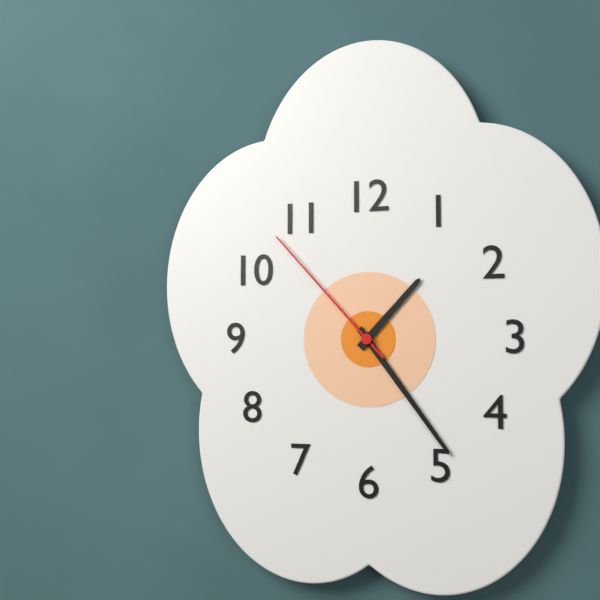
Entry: 1:24:53
